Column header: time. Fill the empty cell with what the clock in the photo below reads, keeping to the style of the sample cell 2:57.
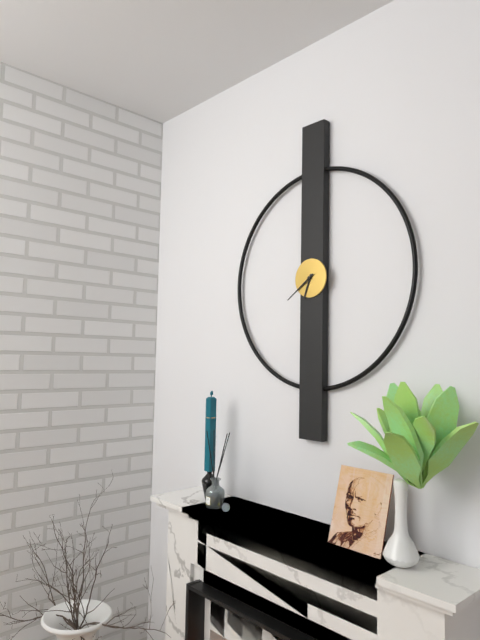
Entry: 6:39
